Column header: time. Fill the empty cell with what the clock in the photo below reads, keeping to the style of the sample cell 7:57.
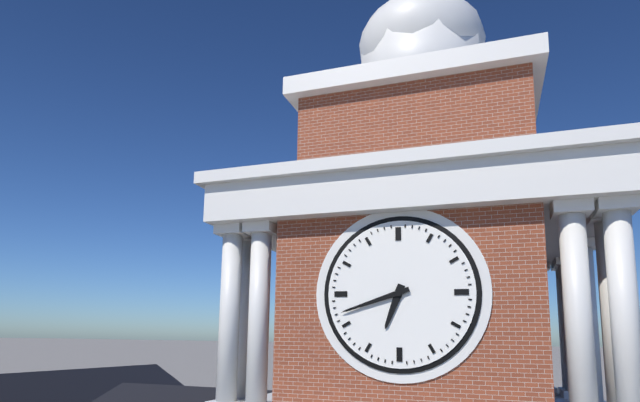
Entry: 6:42
